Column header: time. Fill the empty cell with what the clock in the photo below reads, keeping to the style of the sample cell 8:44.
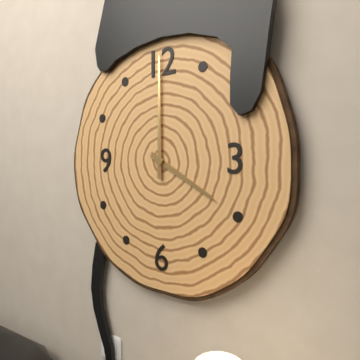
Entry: 4:00
